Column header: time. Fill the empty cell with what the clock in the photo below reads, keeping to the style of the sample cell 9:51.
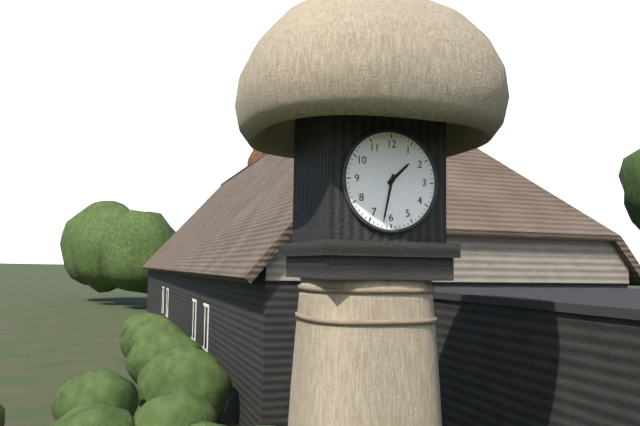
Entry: 1:32
